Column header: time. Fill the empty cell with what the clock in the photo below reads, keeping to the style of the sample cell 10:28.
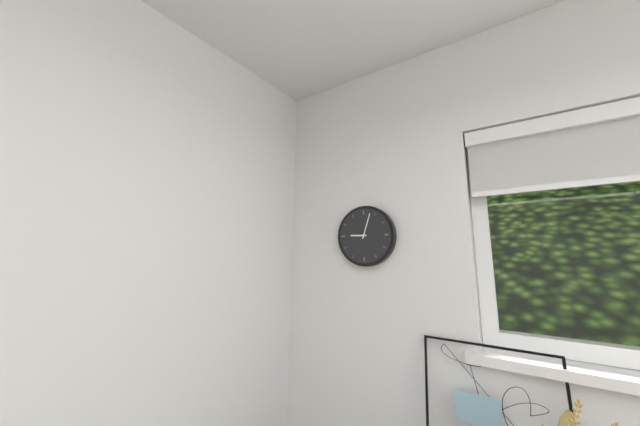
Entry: 9:03
